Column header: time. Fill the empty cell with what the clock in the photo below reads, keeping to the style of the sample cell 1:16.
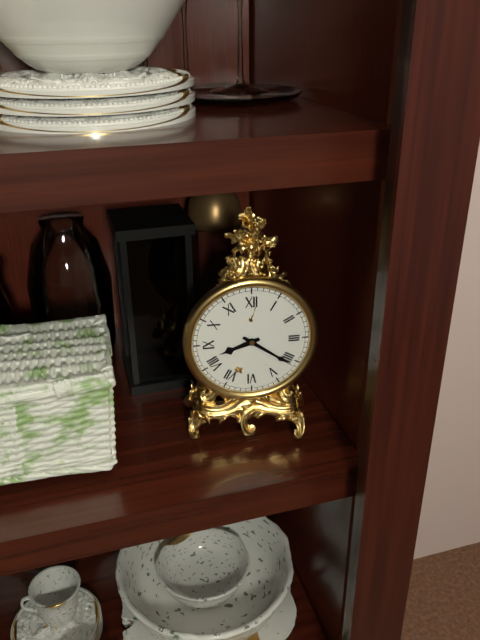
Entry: 8:21
